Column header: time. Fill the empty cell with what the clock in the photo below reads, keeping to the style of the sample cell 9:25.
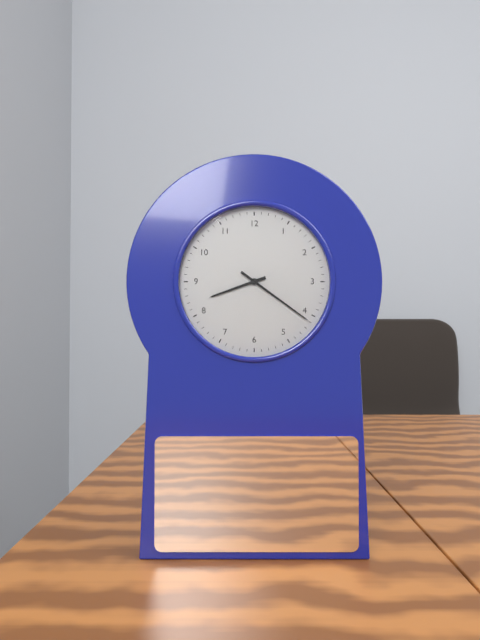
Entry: 8:21
